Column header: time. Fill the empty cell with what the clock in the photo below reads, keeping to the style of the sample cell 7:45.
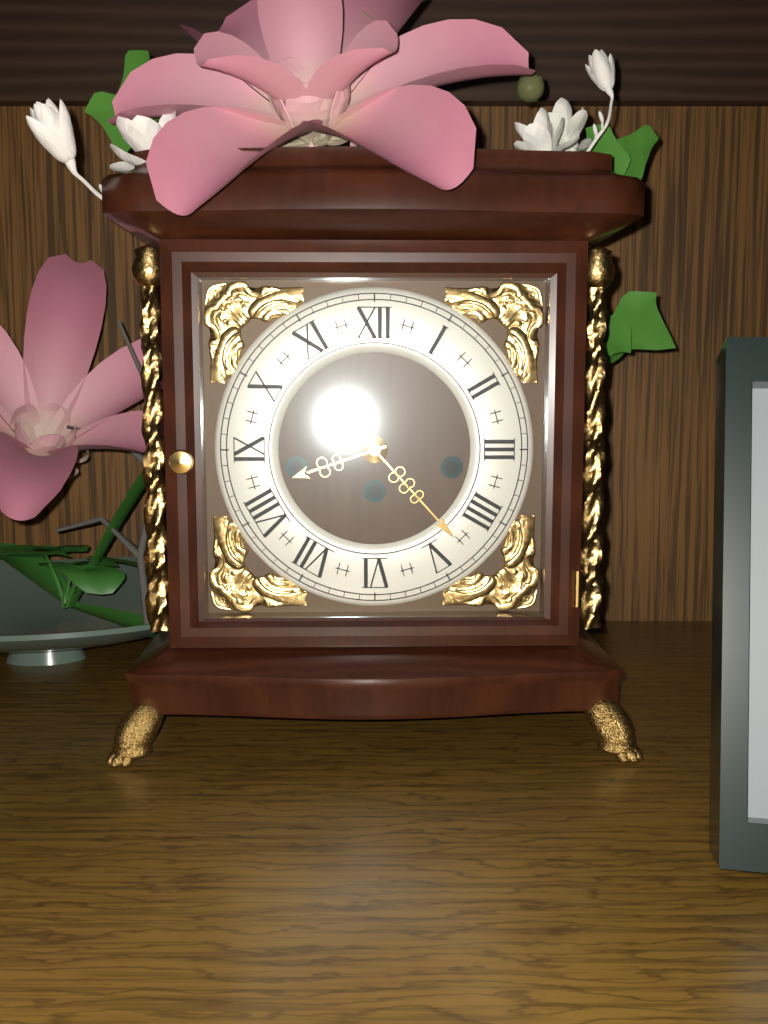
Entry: 8:23
